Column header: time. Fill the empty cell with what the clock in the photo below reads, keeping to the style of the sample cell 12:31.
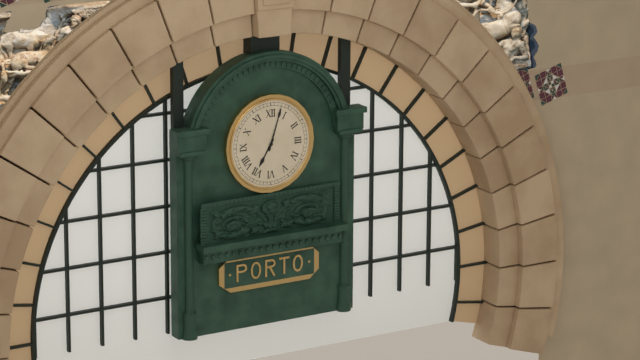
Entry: 7:03
